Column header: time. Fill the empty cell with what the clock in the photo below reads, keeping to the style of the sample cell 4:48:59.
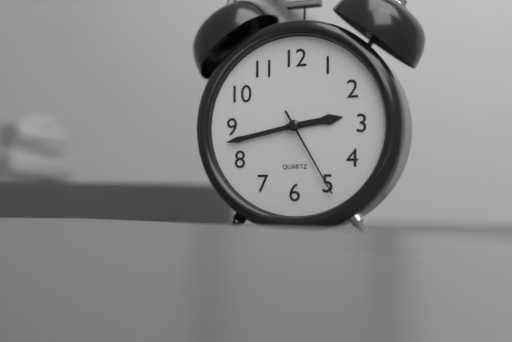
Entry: 2:43:25
